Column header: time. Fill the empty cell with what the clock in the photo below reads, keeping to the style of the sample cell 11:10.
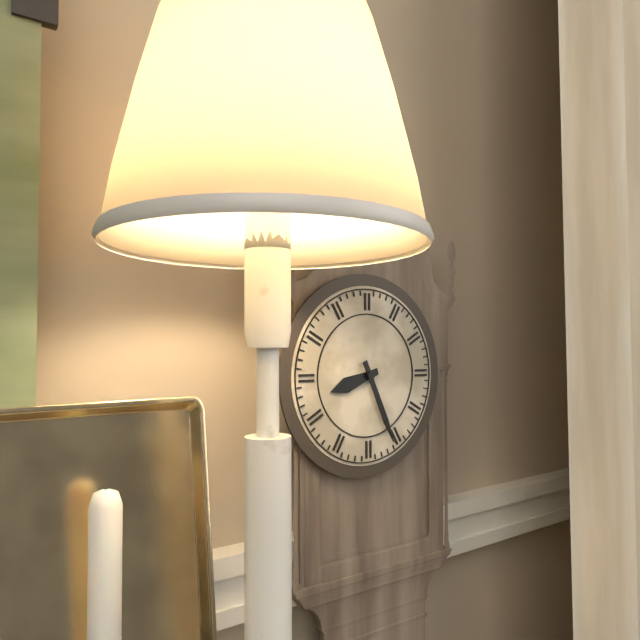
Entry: 8:26
